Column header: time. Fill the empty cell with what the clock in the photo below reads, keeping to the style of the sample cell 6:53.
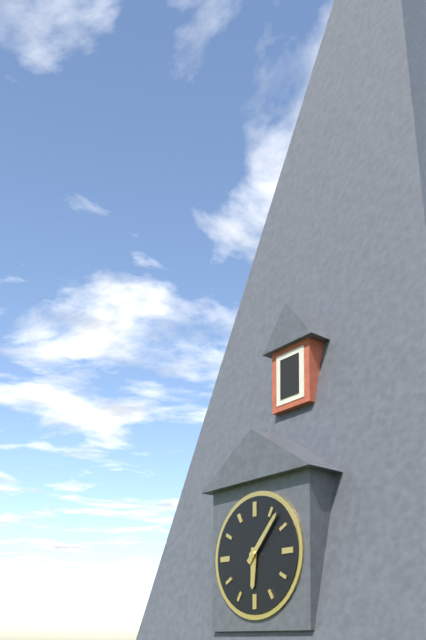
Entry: 6:07
